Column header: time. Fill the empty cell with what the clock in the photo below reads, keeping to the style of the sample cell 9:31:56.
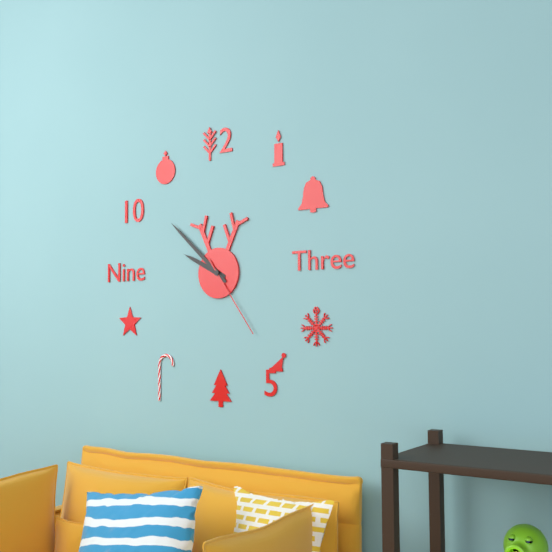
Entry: 9:52:24
